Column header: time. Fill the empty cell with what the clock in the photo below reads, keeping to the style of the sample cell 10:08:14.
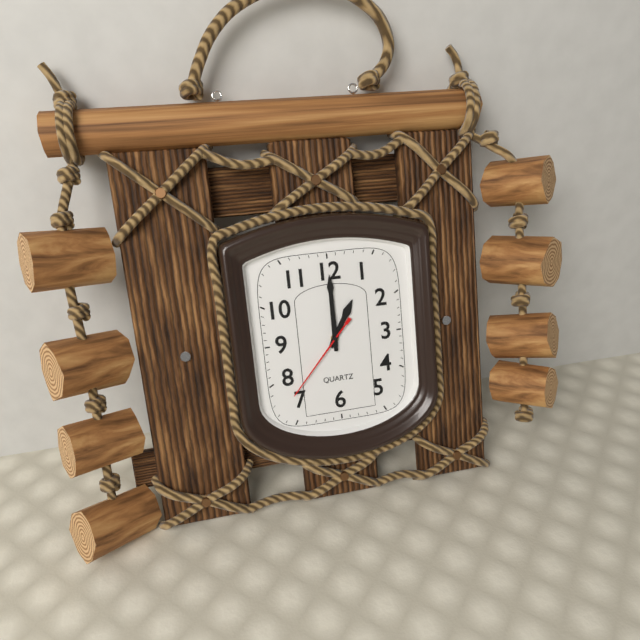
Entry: 1:00:37
